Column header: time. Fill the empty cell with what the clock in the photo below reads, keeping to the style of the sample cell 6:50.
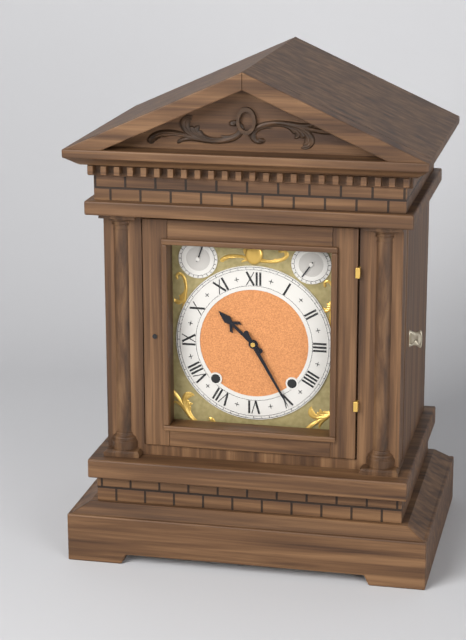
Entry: 10:25
